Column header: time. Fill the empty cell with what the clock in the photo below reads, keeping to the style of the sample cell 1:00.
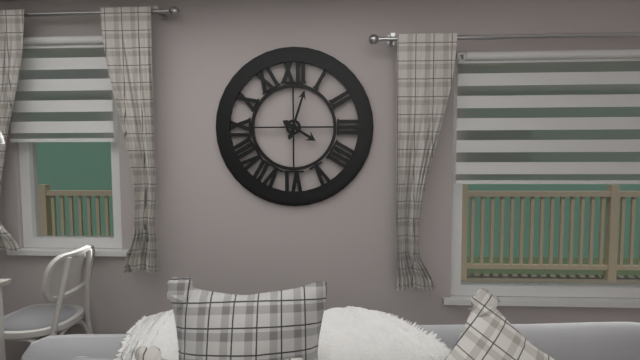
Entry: 4:03
